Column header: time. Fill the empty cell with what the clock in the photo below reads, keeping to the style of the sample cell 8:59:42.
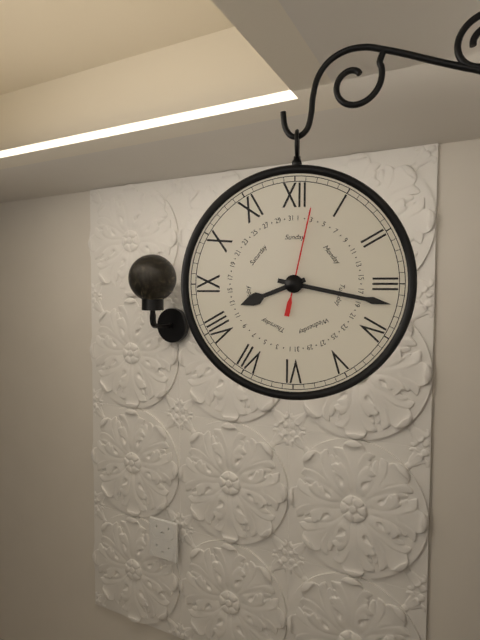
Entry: 8:17:02
